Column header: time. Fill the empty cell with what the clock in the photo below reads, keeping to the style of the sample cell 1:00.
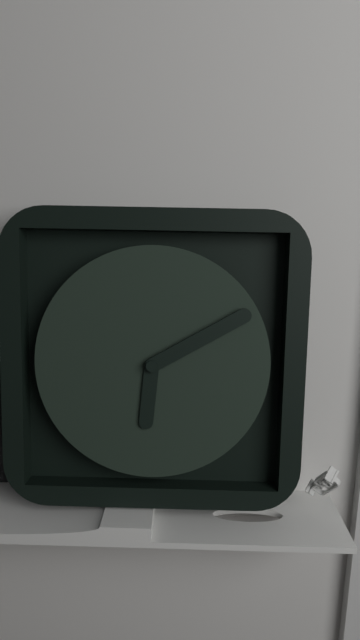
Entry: 6:10
